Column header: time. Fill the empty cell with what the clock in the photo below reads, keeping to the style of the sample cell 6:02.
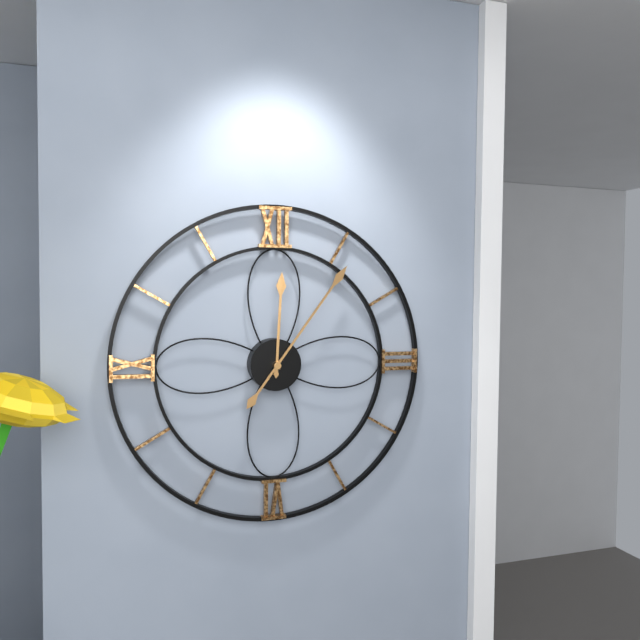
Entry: 12:06
